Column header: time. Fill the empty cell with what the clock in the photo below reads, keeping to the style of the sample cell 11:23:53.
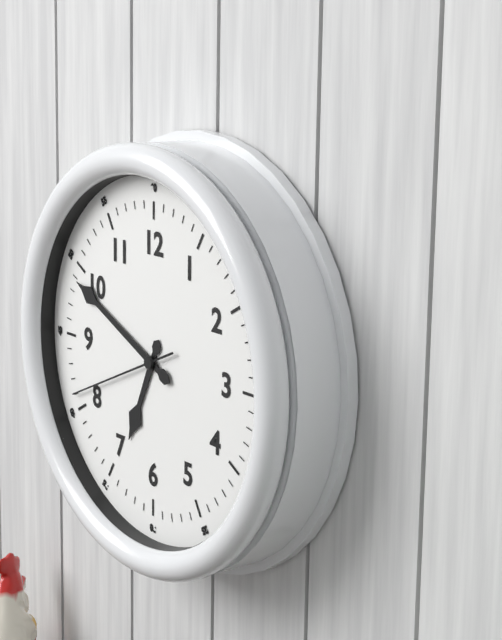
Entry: 6:49:41
